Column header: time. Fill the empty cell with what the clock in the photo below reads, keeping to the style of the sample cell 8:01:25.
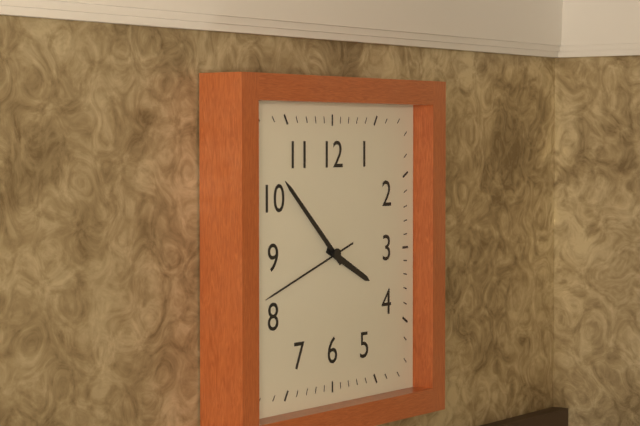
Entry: 3:52:42
